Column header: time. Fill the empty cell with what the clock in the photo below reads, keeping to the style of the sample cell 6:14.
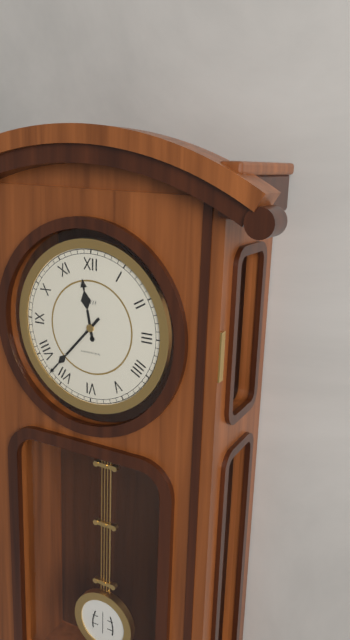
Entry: 11:37
